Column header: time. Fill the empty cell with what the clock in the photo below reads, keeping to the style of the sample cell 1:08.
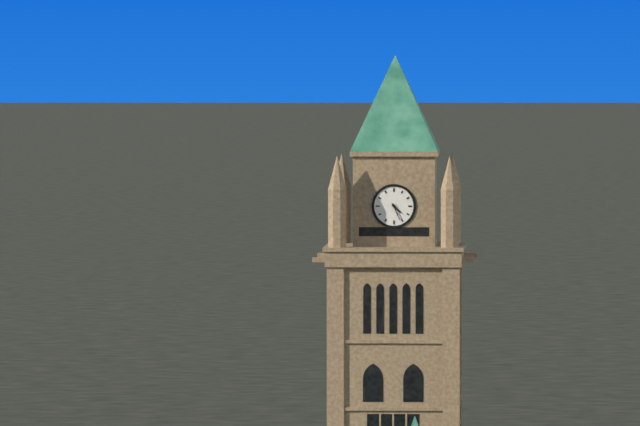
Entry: 4:26
